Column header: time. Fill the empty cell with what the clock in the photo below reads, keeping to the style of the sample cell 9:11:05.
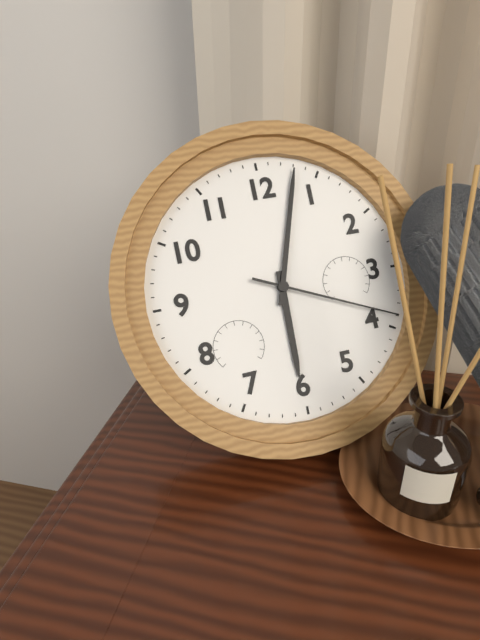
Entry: 6:03:19
